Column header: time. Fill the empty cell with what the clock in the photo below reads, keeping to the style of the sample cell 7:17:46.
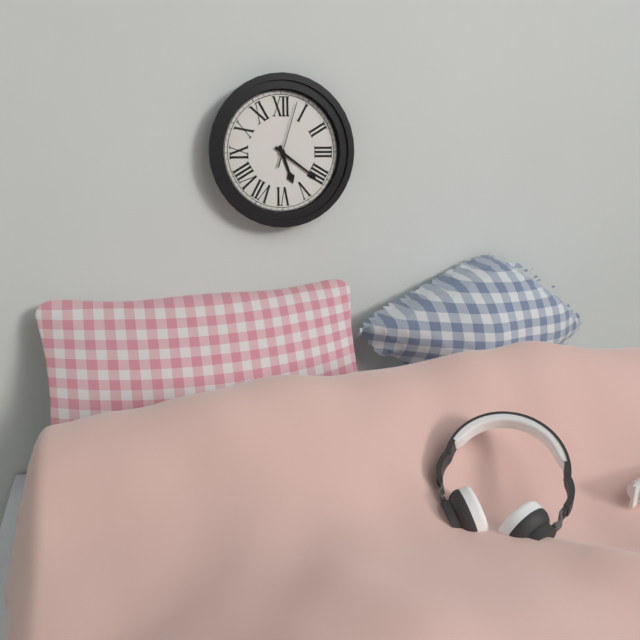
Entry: 5:21:03
